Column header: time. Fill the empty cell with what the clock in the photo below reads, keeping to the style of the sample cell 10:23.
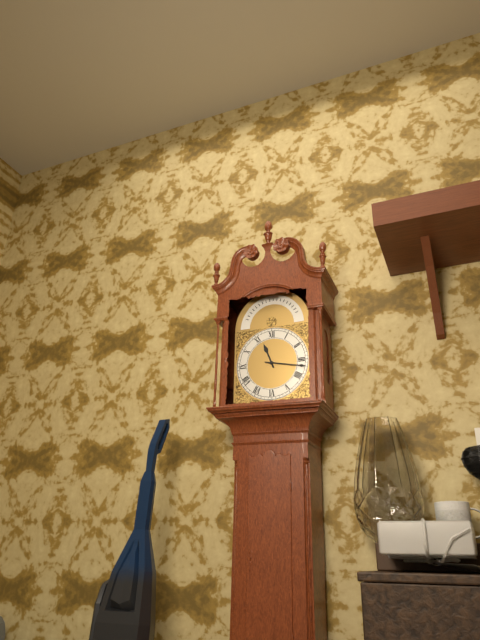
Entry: 11:17
